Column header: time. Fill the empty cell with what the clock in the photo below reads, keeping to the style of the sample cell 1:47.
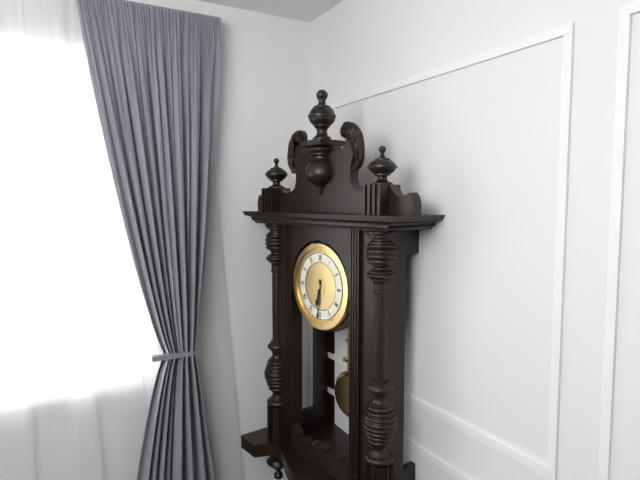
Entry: 6:31
